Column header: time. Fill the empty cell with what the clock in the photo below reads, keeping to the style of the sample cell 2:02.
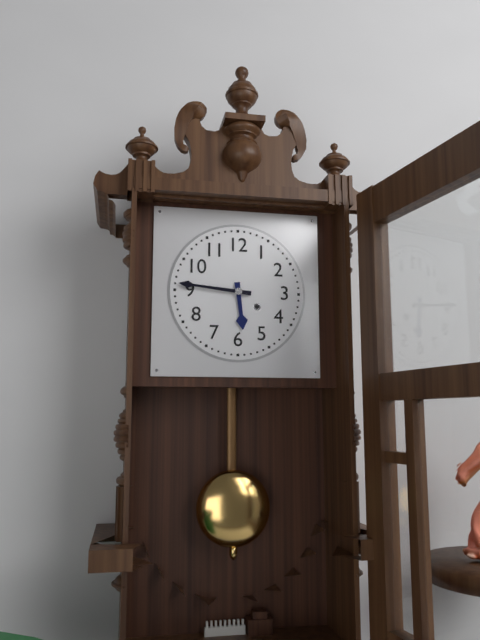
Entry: 5:46
